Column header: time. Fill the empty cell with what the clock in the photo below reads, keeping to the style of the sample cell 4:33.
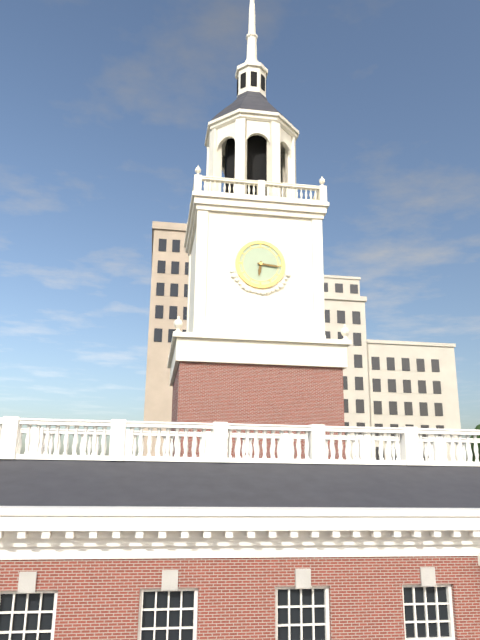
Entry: 6:16
